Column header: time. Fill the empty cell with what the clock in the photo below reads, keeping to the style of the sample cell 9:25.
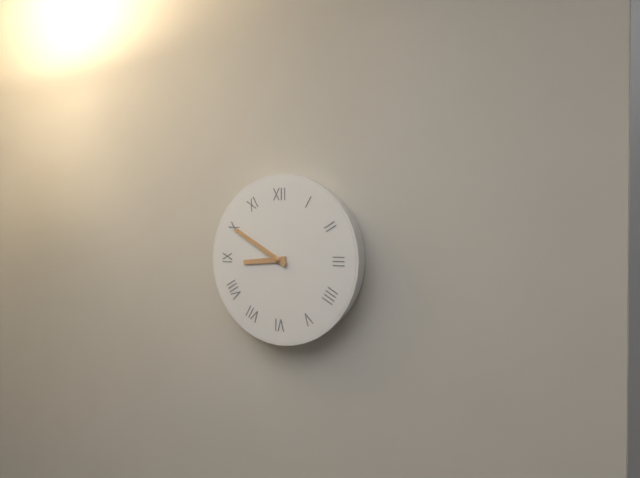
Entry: 8:50
